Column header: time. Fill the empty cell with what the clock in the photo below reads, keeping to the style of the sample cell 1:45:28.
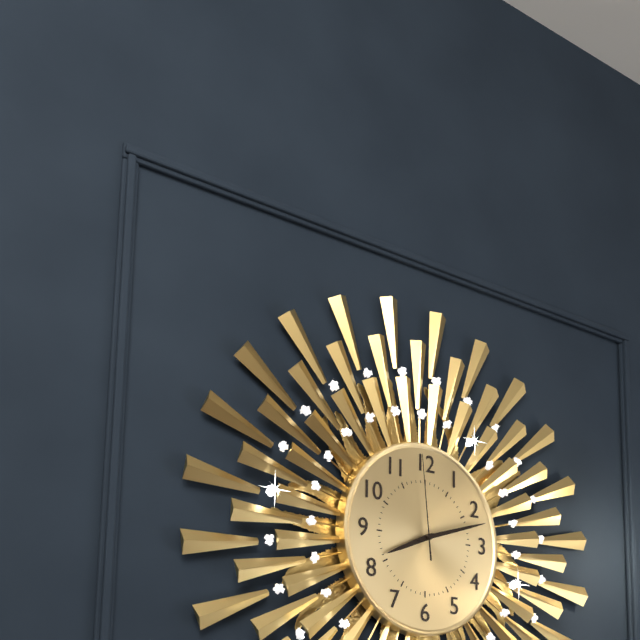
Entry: 8:12:59
